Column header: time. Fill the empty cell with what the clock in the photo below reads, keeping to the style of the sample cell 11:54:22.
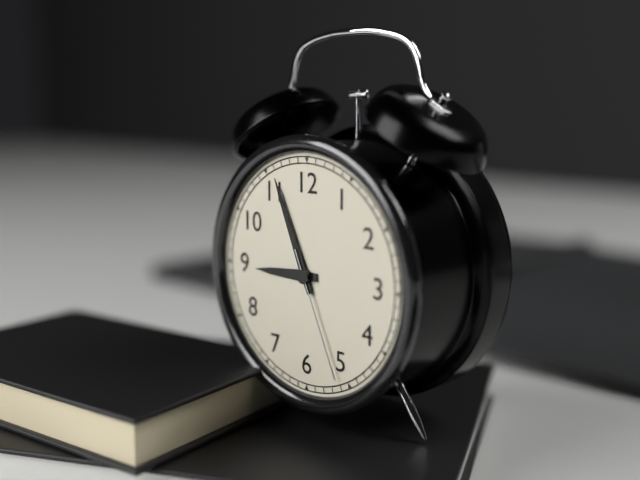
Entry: 8:56:26
